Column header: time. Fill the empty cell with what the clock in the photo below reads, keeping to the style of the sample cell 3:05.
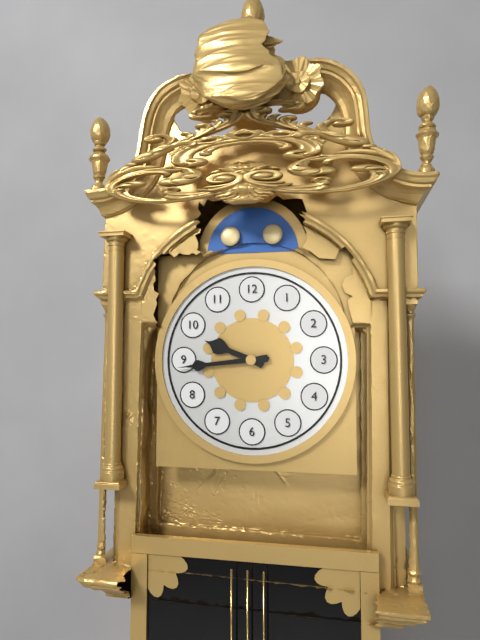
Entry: 9:44
